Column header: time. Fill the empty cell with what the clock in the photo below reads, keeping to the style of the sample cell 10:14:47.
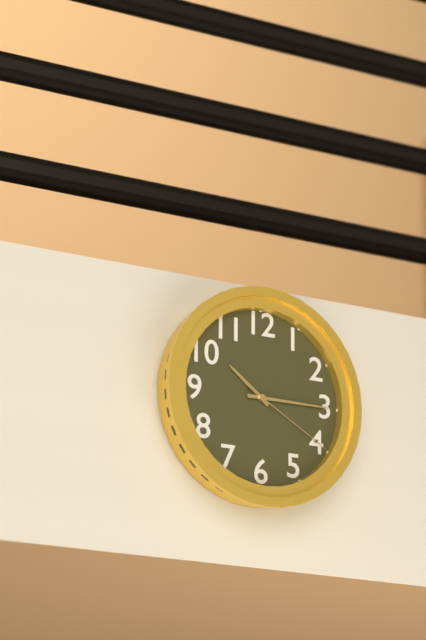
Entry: 10:15:20
